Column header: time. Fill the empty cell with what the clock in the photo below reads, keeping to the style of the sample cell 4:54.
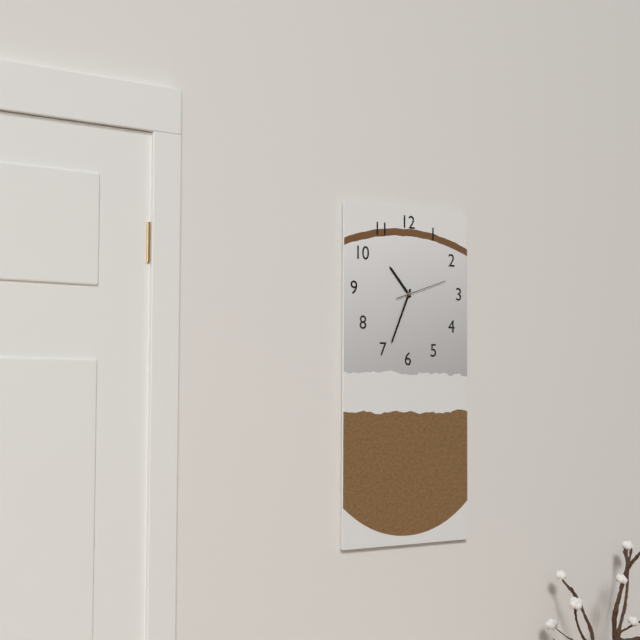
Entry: 10:34
